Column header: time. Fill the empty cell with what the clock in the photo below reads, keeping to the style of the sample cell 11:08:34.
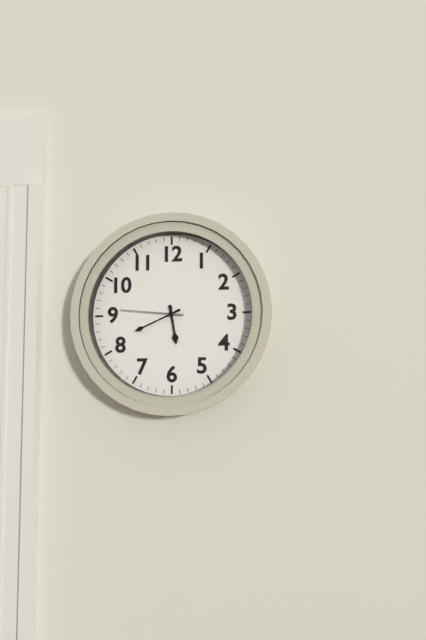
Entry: 5:41:46
